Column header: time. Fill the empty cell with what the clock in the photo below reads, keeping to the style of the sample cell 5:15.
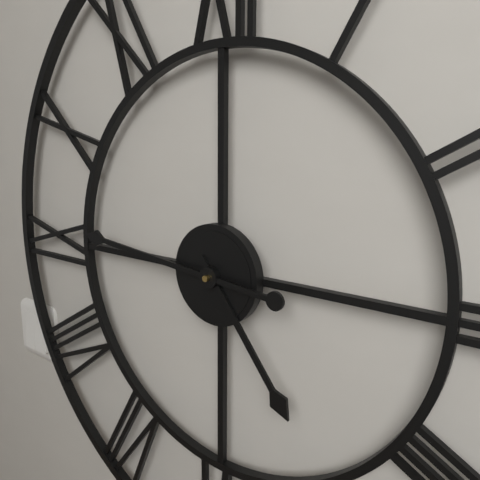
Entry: 4:46
